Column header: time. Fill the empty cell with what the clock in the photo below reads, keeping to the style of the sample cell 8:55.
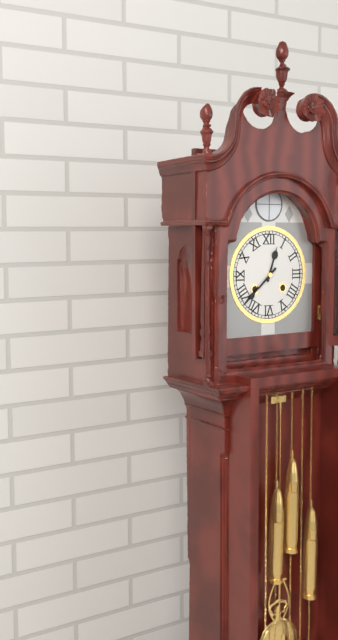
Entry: 12:38
